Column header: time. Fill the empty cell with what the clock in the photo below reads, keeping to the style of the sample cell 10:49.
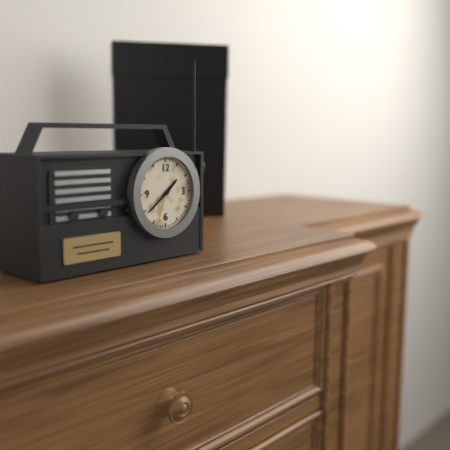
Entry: 1:39
